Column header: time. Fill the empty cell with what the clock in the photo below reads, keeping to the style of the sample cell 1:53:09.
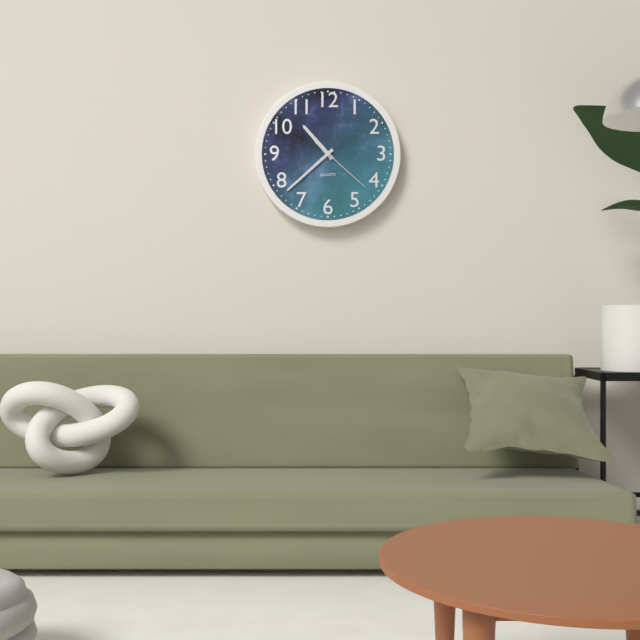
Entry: 10:38:22
